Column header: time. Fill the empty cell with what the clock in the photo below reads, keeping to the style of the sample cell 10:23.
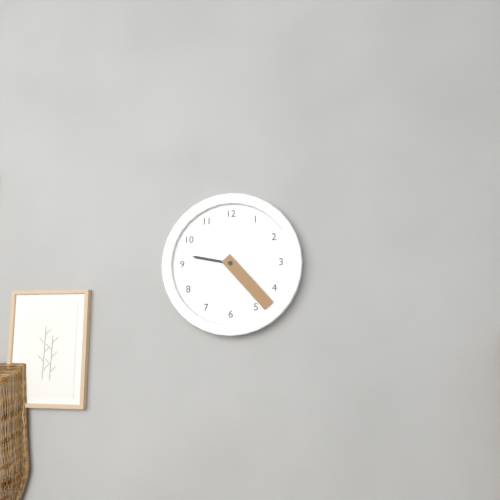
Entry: 9:23
